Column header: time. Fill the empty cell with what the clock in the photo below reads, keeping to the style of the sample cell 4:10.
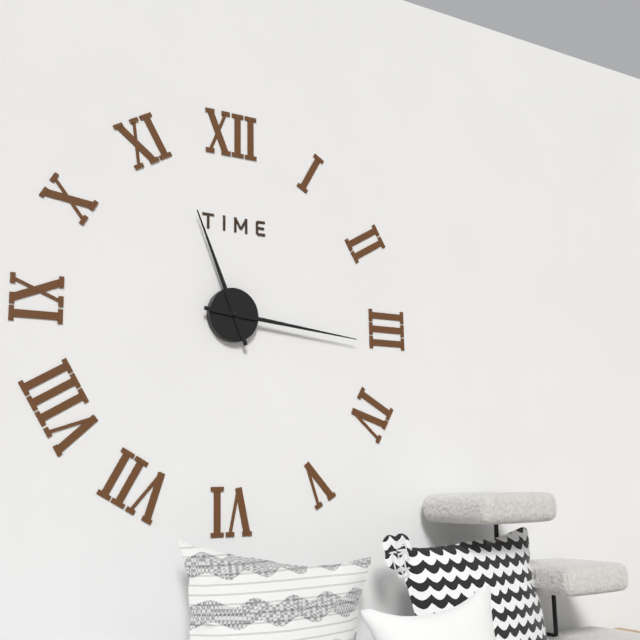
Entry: 11:16
